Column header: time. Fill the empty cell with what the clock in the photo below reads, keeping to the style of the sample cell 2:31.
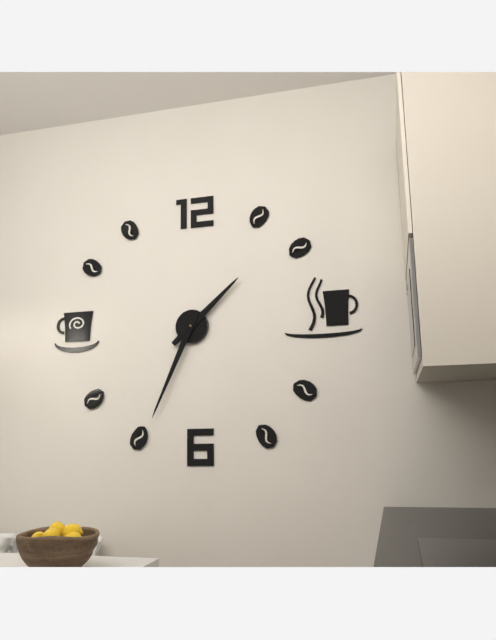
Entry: 1:34
